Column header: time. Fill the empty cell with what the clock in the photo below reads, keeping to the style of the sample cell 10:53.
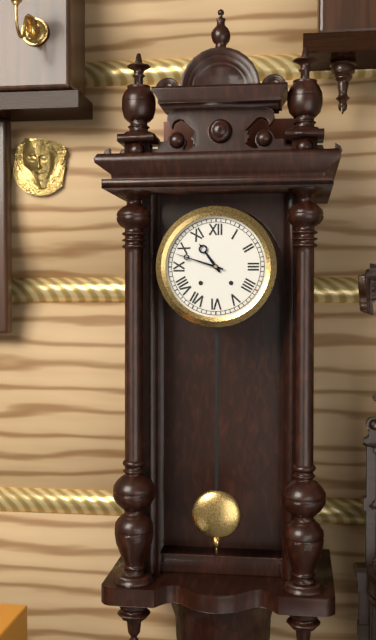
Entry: 10:48
